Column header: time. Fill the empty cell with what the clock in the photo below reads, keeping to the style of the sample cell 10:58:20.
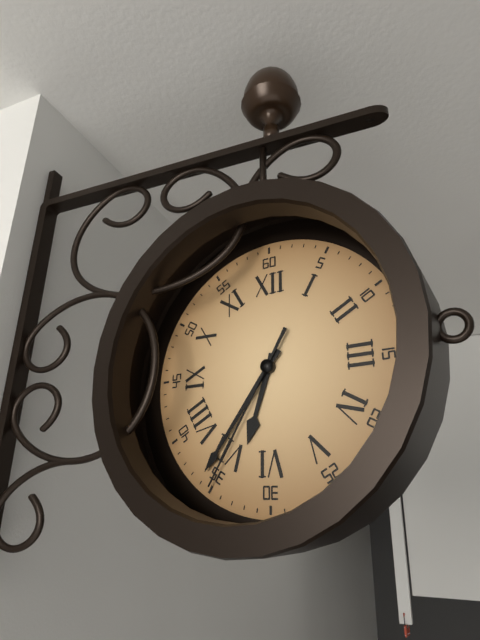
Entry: 6:36:35
